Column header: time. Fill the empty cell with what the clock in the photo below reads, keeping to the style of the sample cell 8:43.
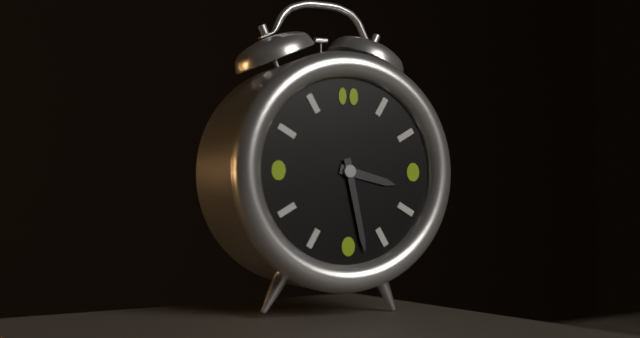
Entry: 3:28
